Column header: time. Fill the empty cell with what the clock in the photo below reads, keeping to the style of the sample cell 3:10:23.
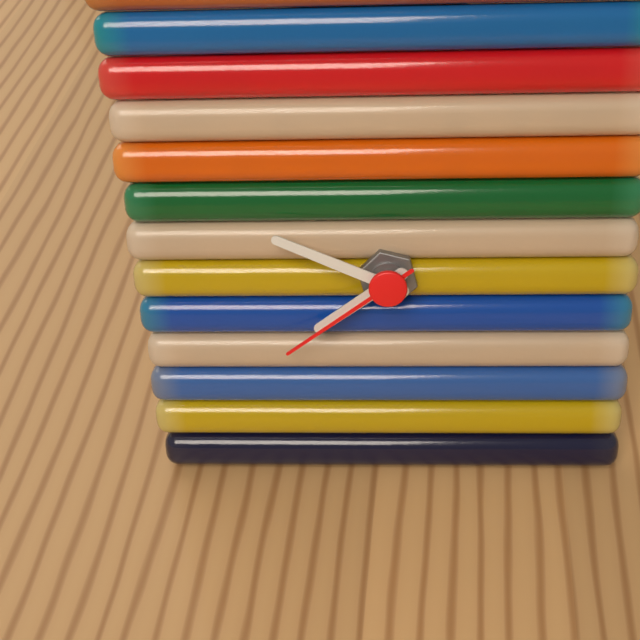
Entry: 7:49:39
